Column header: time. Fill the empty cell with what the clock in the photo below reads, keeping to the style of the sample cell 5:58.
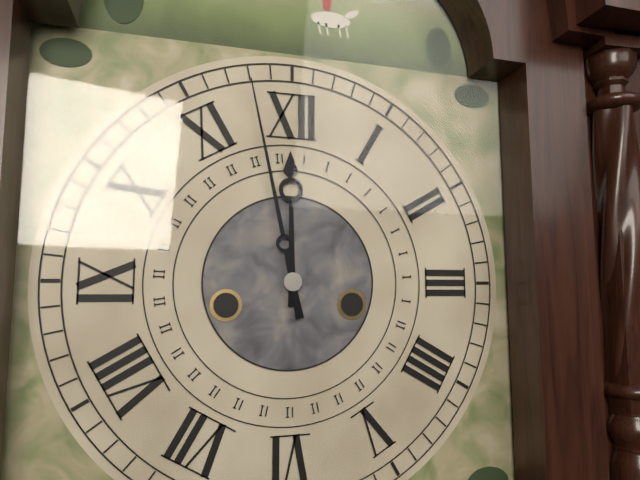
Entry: 11:58
